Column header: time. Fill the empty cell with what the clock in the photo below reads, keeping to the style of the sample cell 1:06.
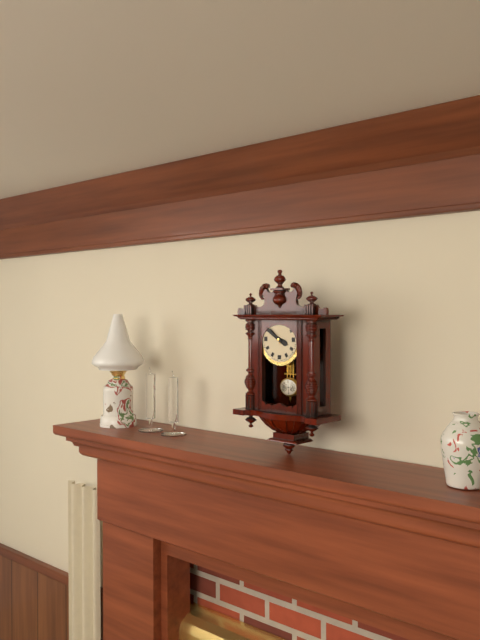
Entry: 3:51
